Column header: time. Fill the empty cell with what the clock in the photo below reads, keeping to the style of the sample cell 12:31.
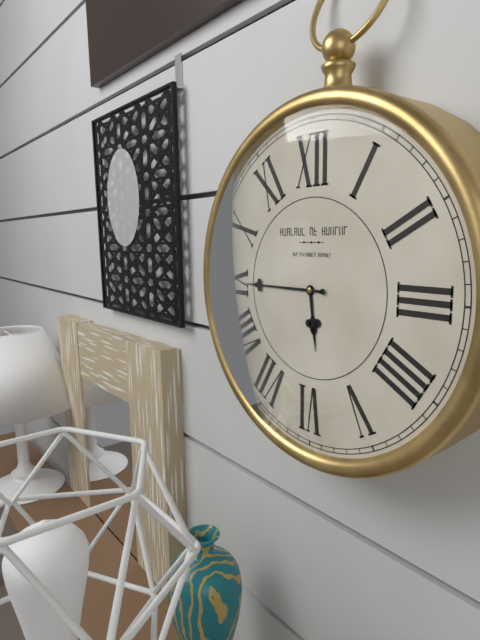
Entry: 5:45
